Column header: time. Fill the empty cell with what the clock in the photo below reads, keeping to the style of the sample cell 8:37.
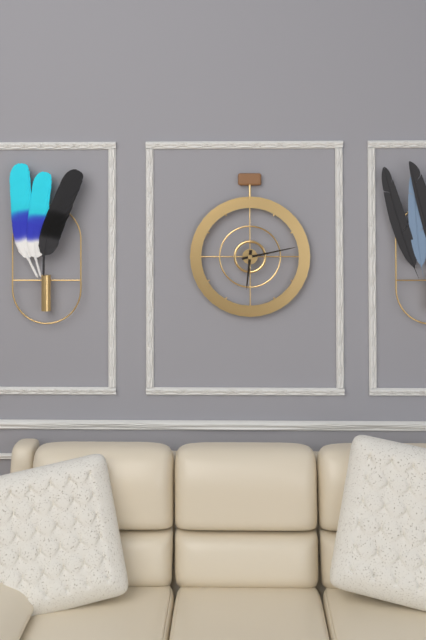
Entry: 6:13
